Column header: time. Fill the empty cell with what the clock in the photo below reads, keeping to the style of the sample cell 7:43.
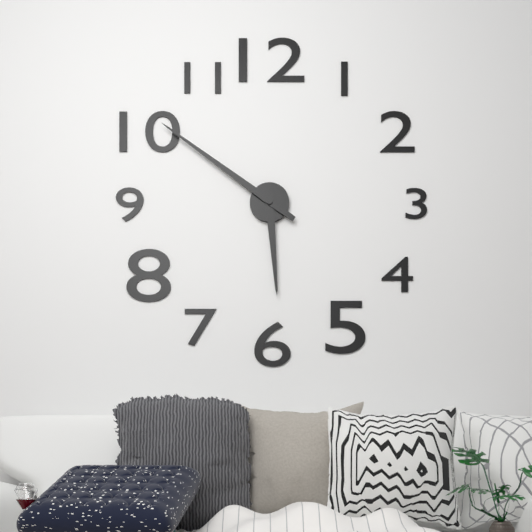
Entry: 5:51
